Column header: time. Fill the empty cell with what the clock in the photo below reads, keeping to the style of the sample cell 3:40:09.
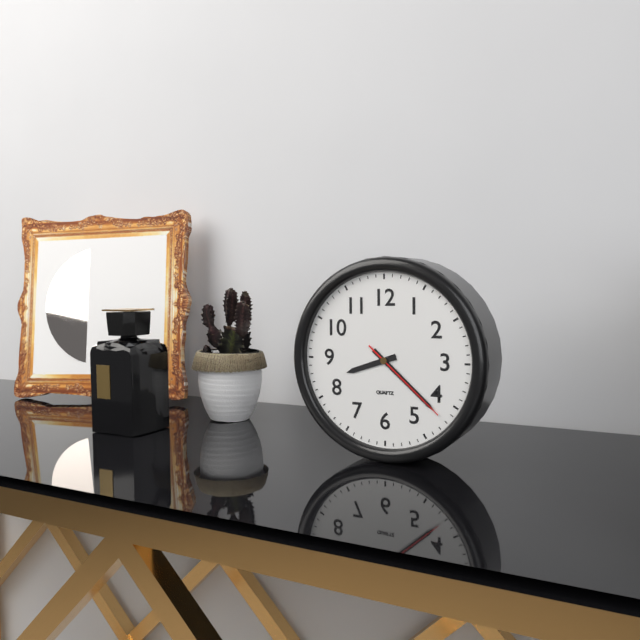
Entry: 8:22:22
